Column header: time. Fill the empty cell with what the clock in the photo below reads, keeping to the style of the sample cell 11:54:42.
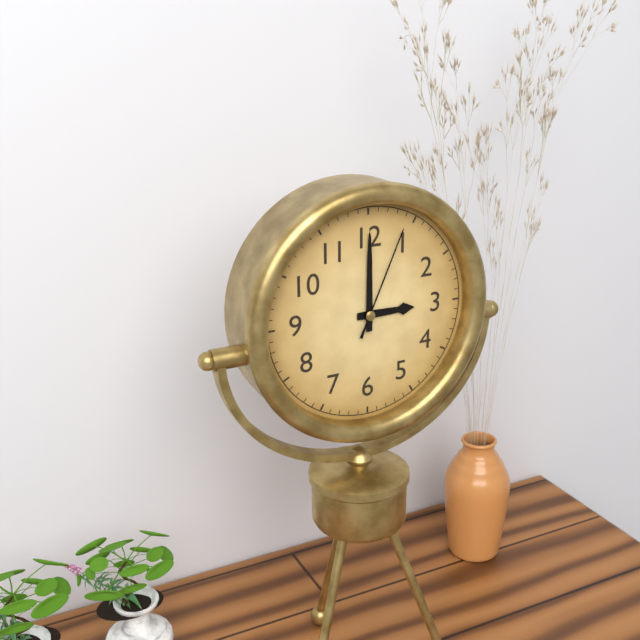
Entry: 3:00:04
